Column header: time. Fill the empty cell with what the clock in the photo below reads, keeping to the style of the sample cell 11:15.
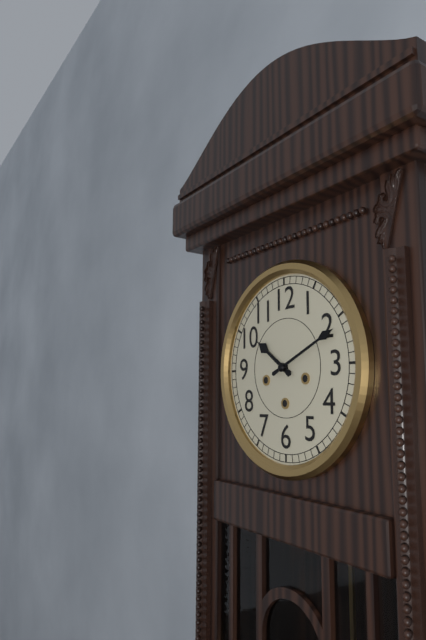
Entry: 10:11
